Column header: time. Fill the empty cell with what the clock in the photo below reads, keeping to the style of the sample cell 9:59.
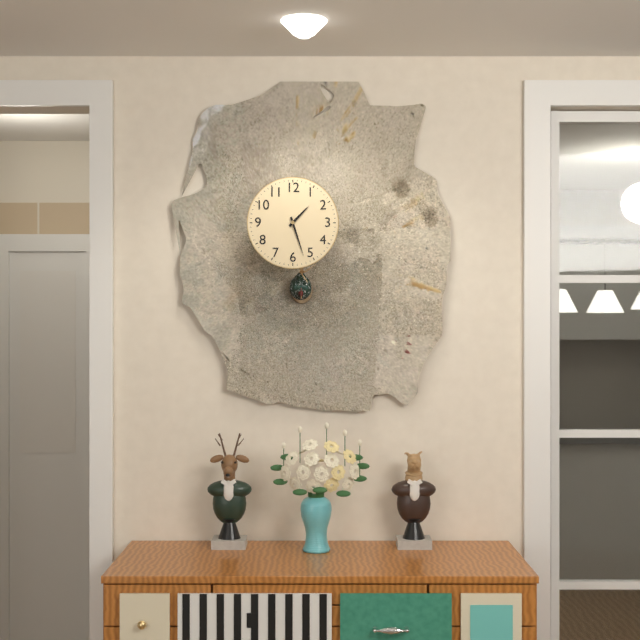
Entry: 1:27
